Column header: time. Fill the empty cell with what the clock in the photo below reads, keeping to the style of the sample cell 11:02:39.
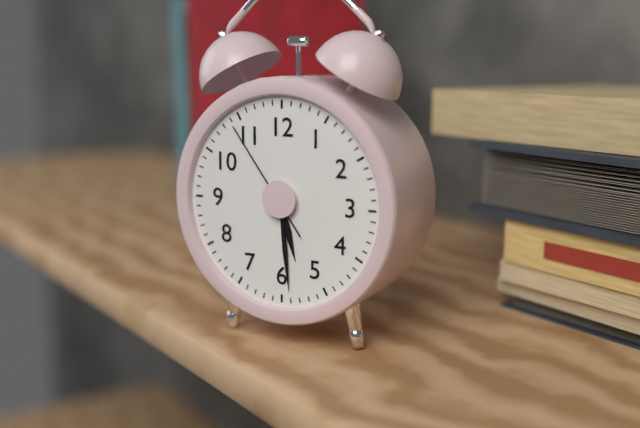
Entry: 5:29:54
